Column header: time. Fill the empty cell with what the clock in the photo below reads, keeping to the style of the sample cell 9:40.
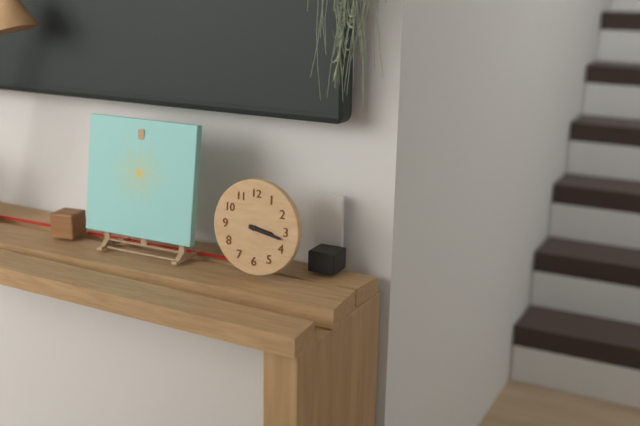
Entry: 3:17
